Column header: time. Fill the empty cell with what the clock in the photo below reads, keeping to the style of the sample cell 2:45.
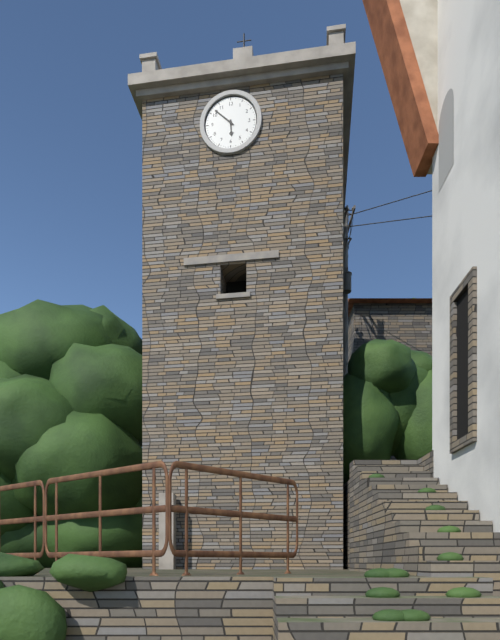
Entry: 5:52
